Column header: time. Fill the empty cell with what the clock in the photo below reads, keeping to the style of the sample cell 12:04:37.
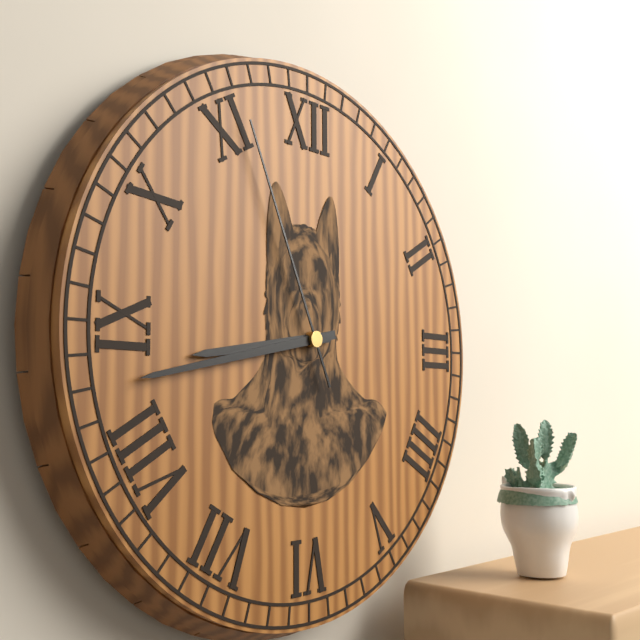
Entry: 8:43:56
